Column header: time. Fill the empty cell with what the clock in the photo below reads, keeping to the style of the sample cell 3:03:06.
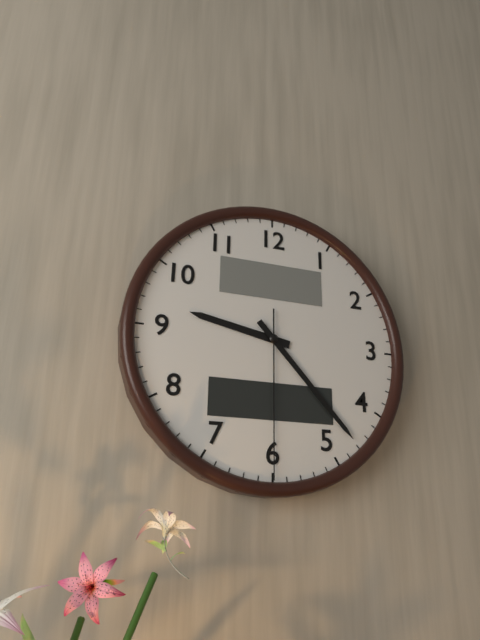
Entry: 9:23:30
